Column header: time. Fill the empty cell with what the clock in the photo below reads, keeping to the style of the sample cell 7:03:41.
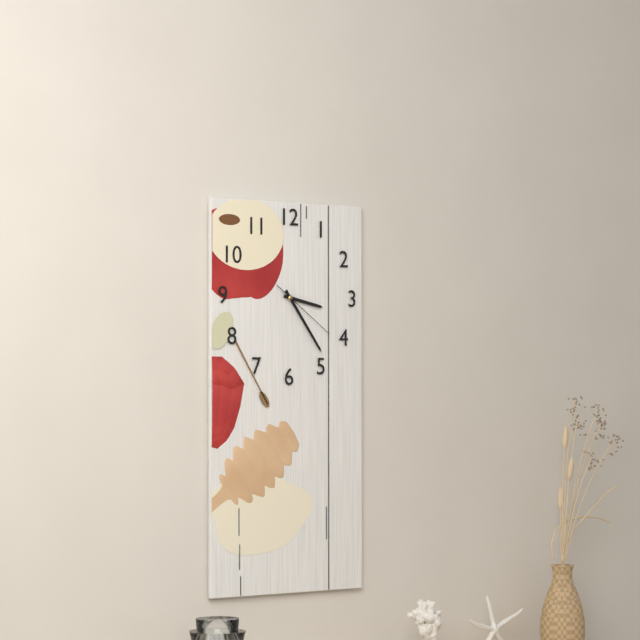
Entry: 3:24:21
